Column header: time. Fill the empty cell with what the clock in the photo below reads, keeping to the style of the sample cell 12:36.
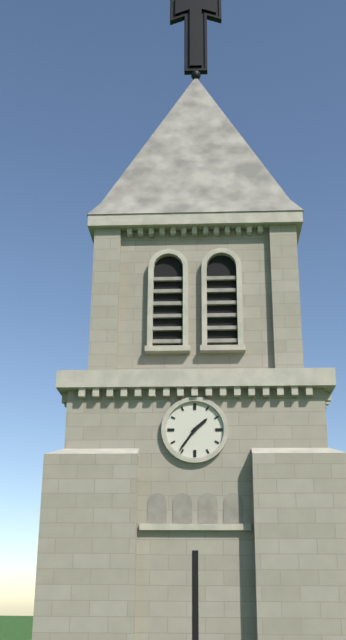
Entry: 1:36
